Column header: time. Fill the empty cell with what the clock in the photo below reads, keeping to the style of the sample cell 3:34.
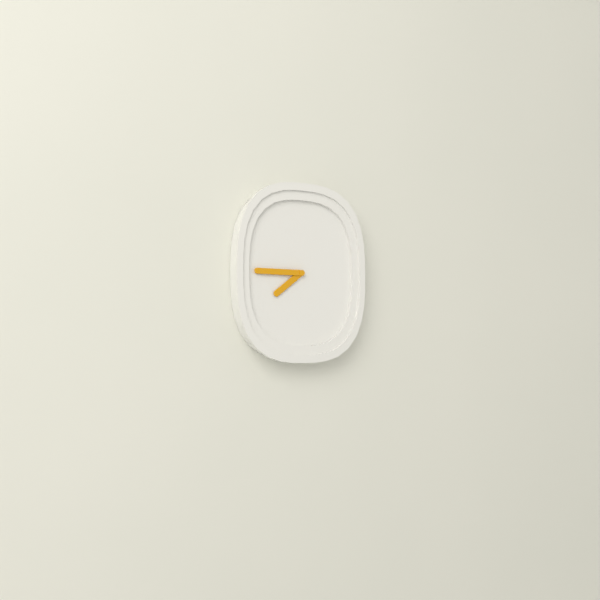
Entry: 7:45
